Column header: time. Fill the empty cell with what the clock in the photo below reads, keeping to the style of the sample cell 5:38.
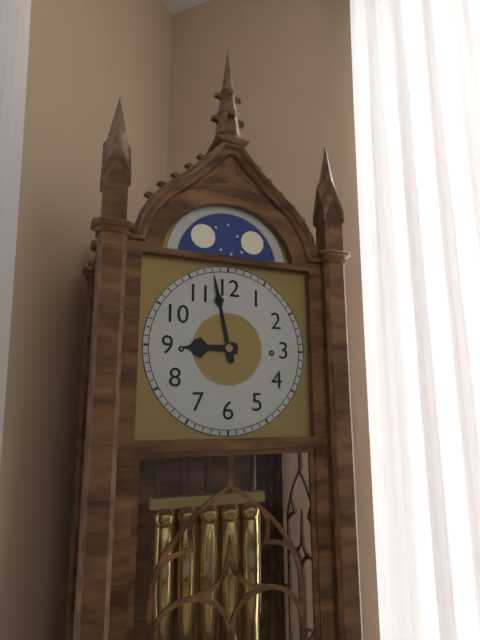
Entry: 8:58
